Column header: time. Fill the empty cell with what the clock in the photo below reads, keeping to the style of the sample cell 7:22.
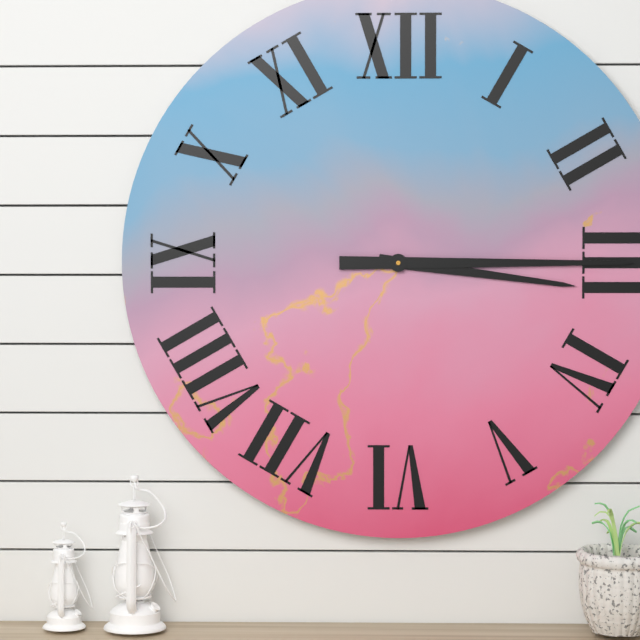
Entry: 3:15
